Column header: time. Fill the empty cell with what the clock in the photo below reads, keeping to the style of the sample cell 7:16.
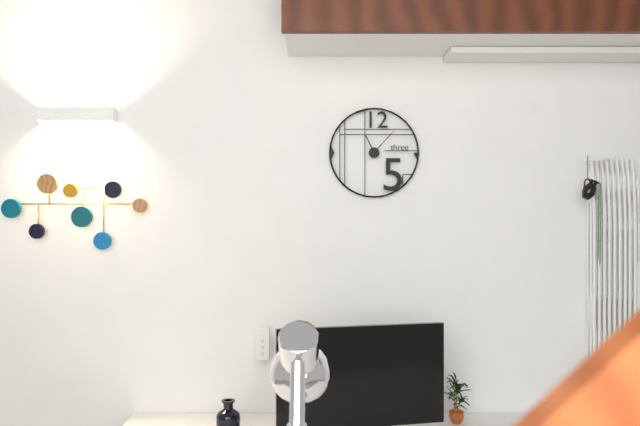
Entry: 11:07
